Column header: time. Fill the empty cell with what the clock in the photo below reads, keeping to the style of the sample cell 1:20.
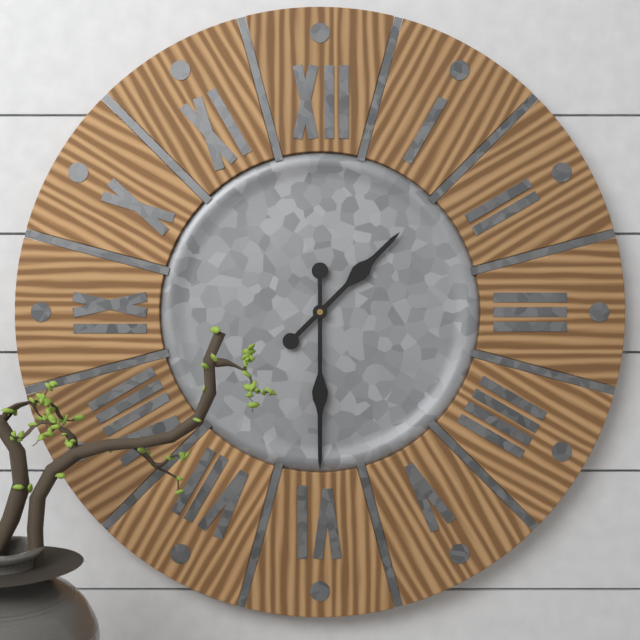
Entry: 1:30
